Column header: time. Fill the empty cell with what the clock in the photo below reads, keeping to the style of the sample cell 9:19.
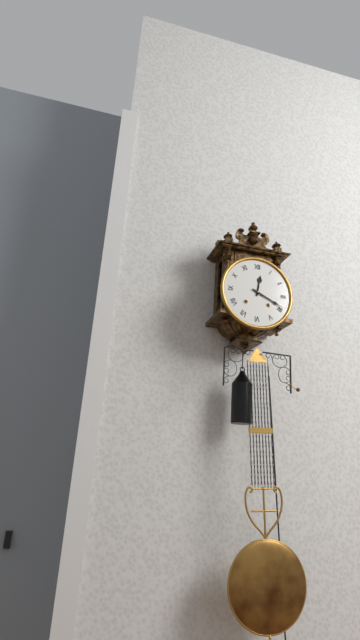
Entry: 12:19
